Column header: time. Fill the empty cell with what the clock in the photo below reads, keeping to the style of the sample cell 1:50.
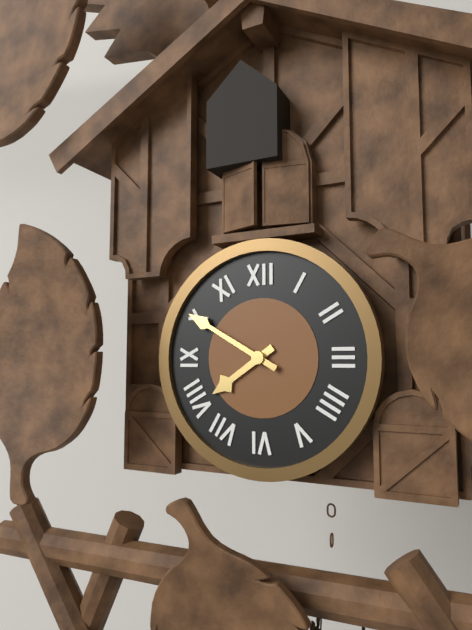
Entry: 7:50
